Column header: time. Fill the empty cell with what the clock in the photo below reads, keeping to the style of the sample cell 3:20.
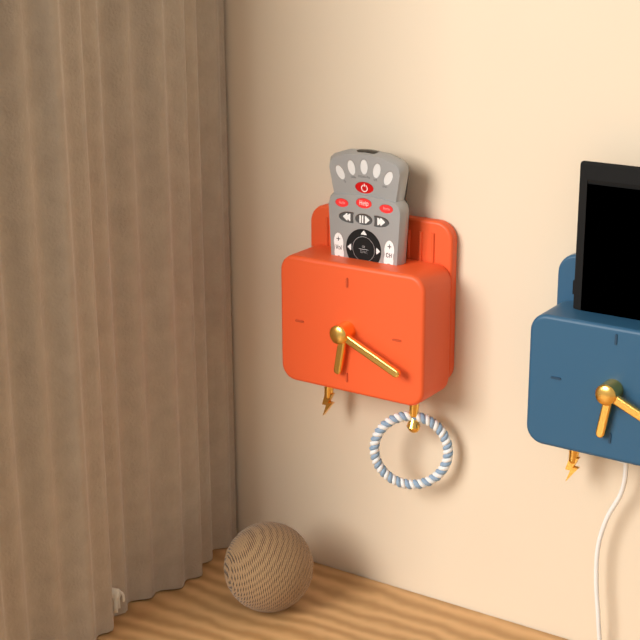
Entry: 6:19
